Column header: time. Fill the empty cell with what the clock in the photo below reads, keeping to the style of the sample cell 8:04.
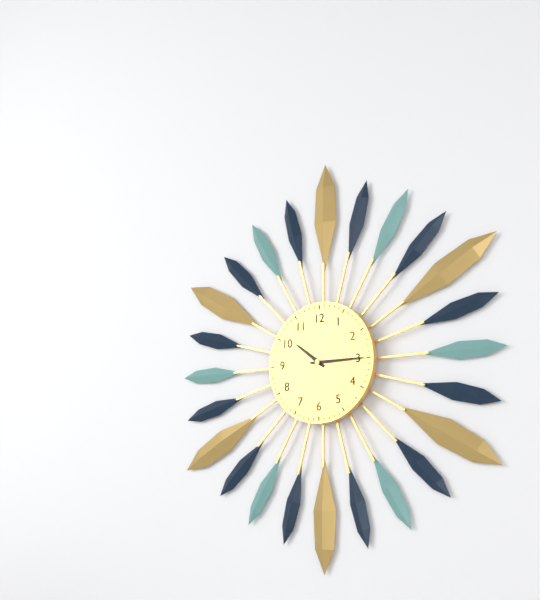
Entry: 10:15
